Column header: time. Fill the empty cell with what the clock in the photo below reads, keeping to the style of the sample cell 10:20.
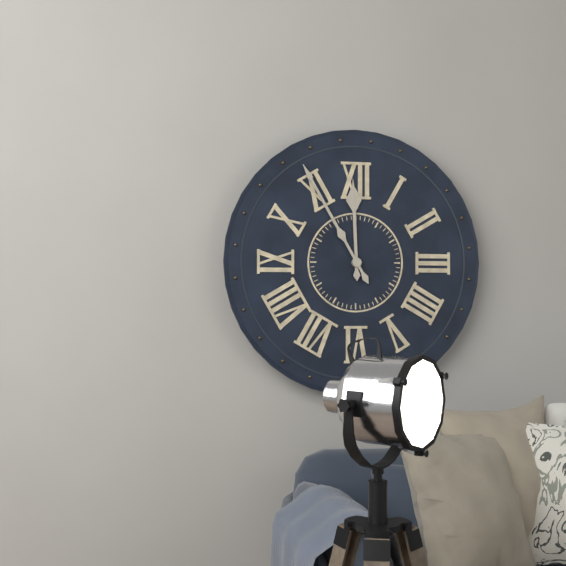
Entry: 11:55
